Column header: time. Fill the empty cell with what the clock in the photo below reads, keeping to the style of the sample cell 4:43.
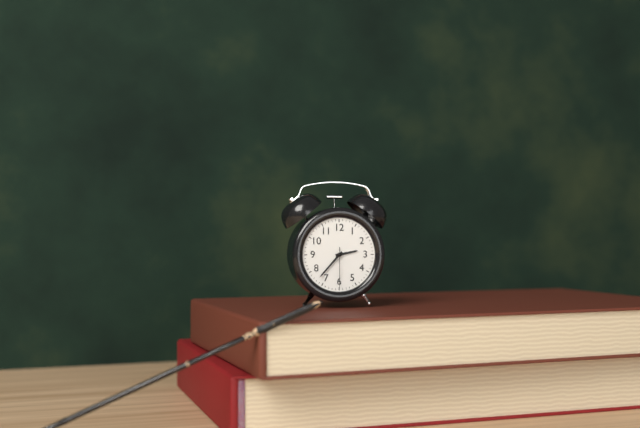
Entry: 2:37
